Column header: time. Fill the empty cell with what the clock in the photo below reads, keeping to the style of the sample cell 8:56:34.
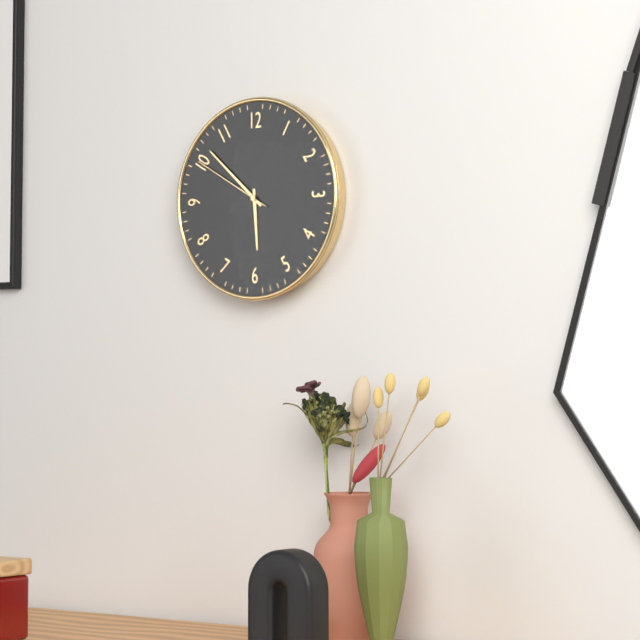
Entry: 5:52:50
